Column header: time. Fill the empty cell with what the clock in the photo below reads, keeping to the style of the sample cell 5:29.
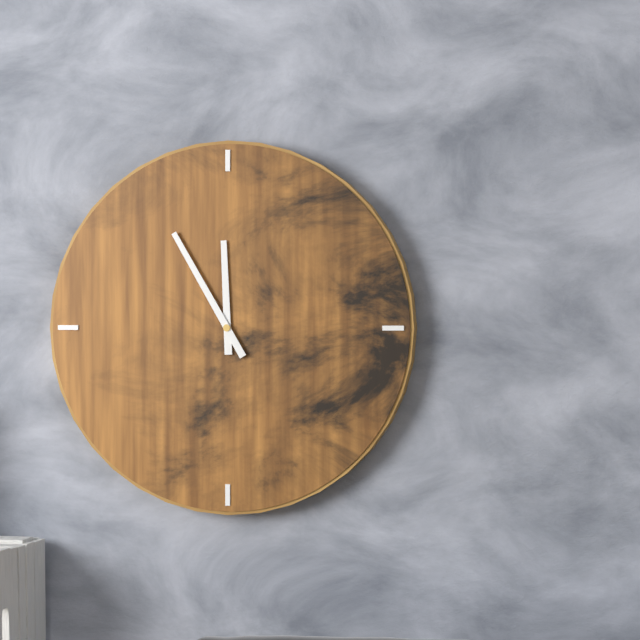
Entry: 11:55
